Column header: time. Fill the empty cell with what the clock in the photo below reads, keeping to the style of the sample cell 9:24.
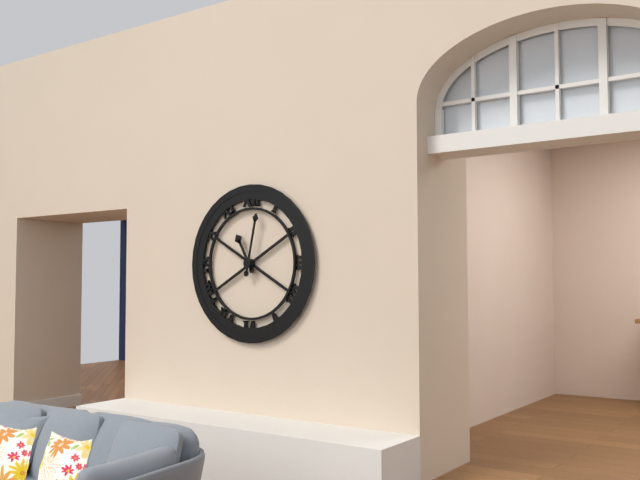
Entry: 11:02
